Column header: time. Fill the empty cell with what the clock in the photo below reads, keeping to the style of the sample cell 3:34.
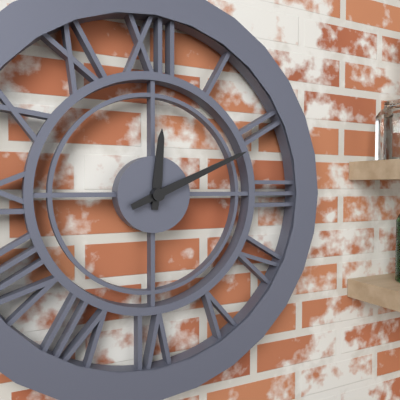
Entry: 12:11
